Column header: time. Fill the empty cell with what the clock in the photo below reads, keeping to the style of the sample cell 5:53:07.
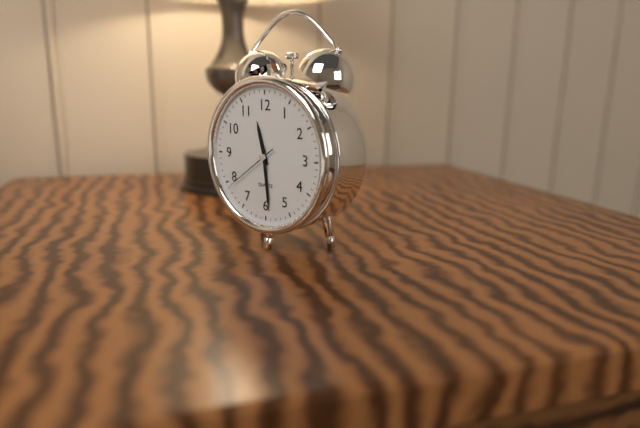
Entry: 11:29:39
